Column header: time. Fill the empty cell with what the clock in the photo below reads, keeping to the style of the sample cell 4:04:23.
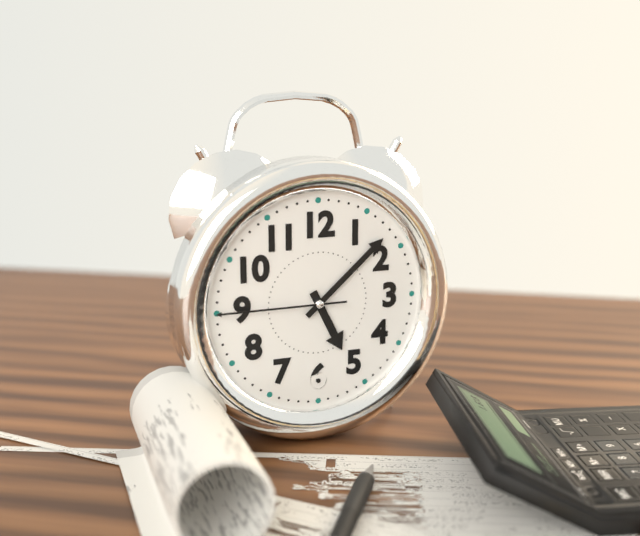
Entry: 5:08:45
